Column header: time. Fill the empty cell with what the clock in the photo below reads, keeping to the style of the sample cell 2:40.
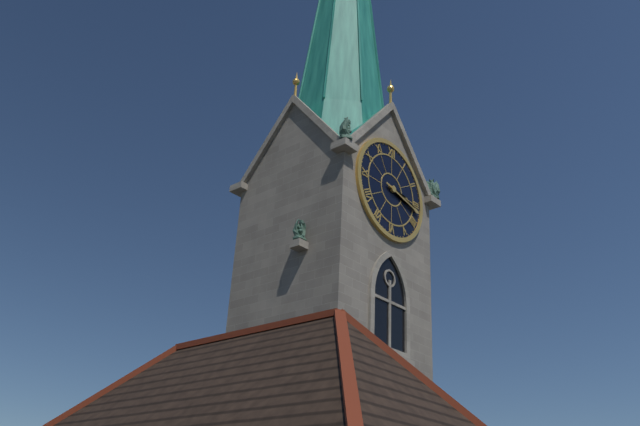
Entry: 3:17
